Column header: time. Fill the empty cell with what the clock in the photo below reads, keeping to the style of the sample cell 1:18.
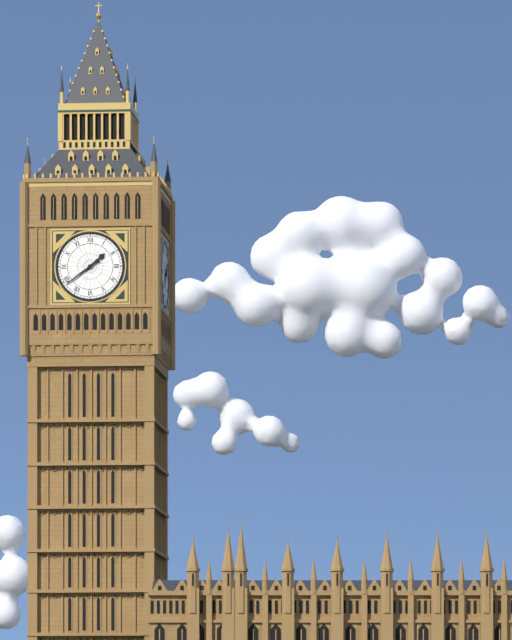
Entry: 1:39
